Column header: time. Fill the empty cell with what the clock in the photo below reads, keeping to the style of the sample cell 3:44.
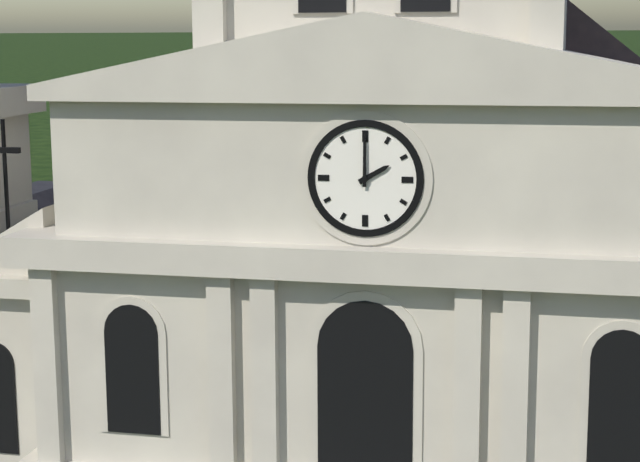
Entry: 2:00
